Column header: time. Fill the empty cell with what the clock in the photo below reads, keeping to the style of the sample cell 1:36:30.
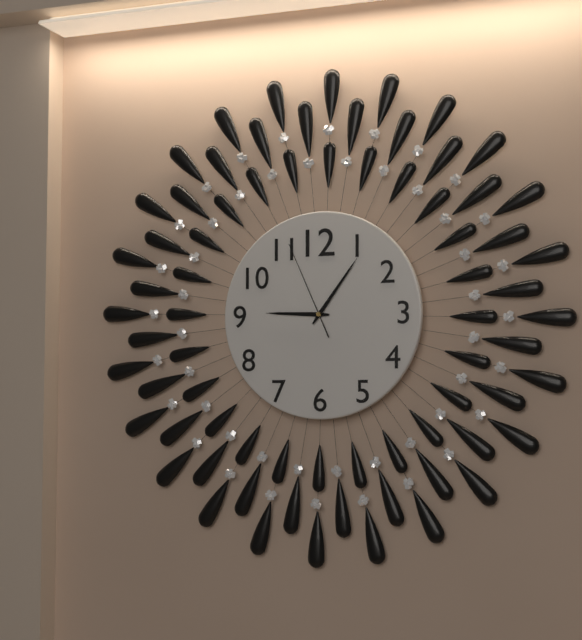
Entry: 9:06:56
